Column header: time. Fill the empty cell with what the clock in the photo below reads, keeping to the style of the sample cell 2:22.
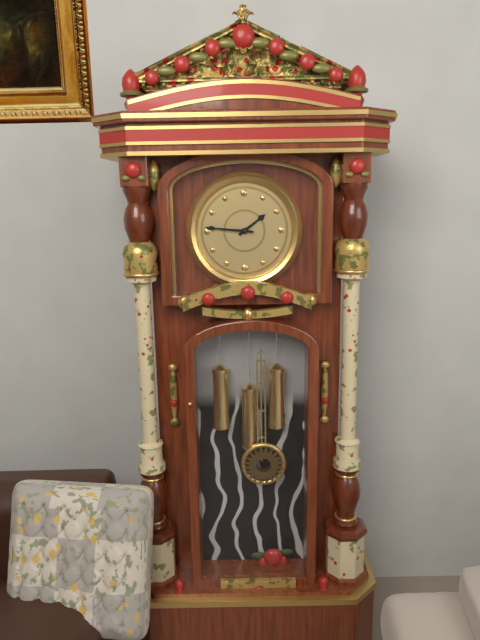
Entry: 1:46
